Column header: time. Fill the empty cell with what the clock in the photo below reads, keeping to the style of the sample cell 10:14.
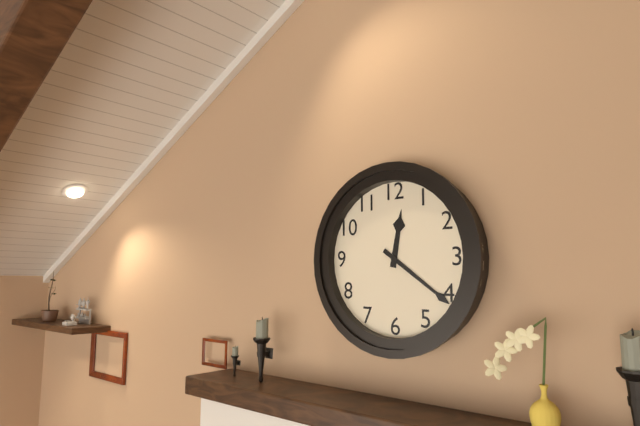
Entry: 12:21
